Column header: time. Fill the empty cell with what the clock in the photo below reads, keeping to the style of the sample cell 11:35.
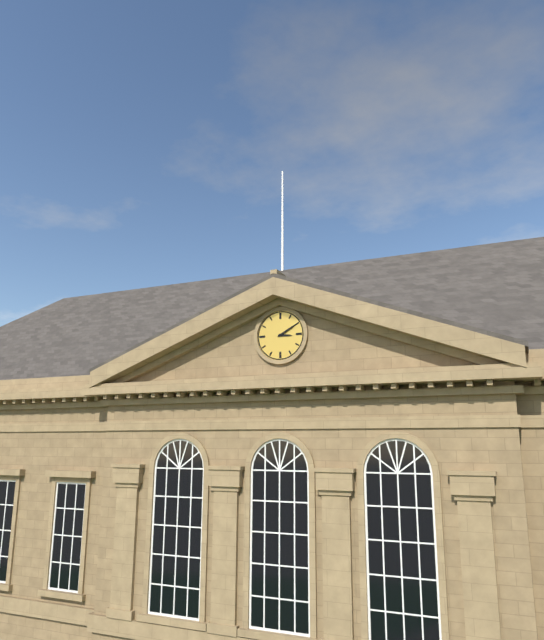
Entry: 3:10
